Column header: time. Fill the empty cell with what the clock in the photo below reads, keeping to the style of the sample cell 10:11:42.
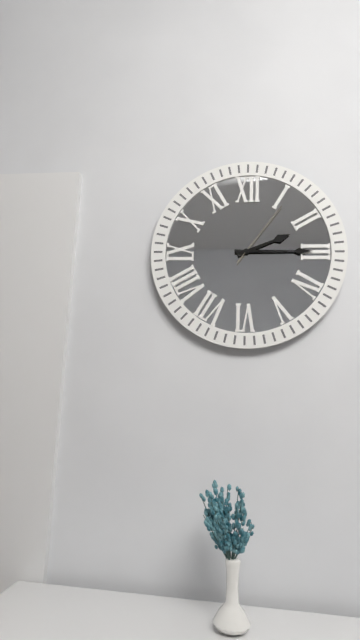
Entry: 2:15:06
